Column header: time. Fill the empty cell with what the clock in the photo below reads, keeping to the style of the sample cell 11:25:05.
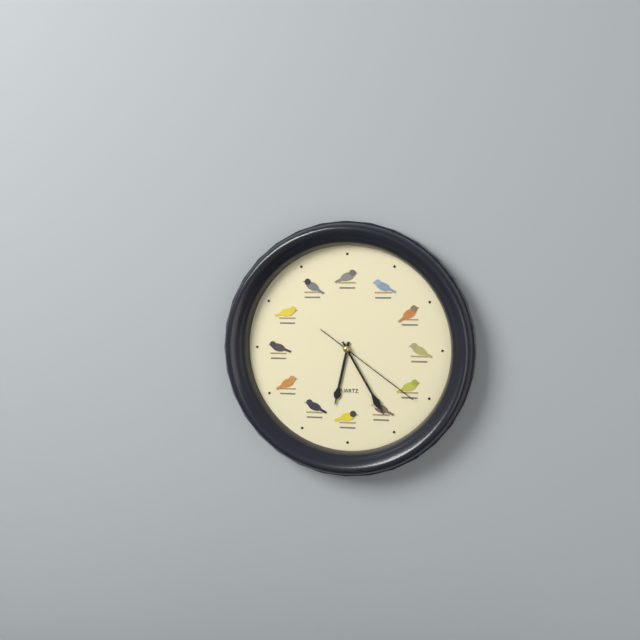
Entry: 6:25:21
